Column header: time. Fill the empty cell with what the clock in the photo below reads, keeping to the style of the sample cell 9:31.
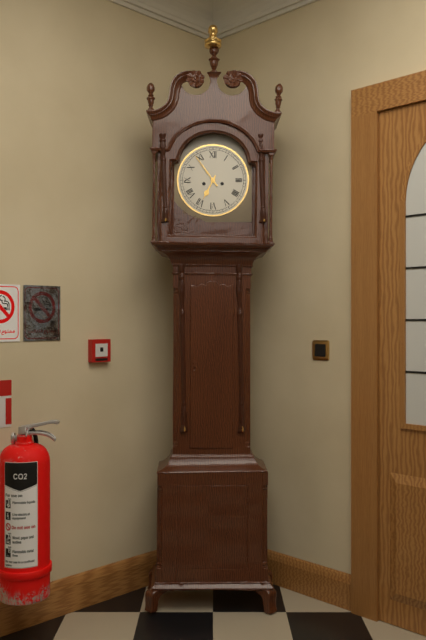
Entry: 6:54
